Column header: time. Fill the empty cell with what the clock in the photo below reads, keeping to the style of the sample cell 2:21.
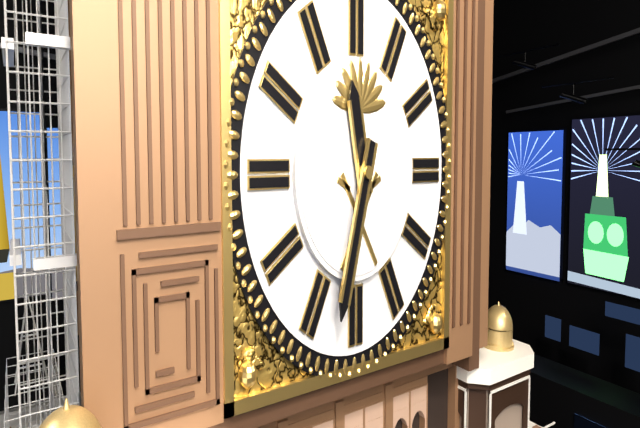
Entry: 11:33
